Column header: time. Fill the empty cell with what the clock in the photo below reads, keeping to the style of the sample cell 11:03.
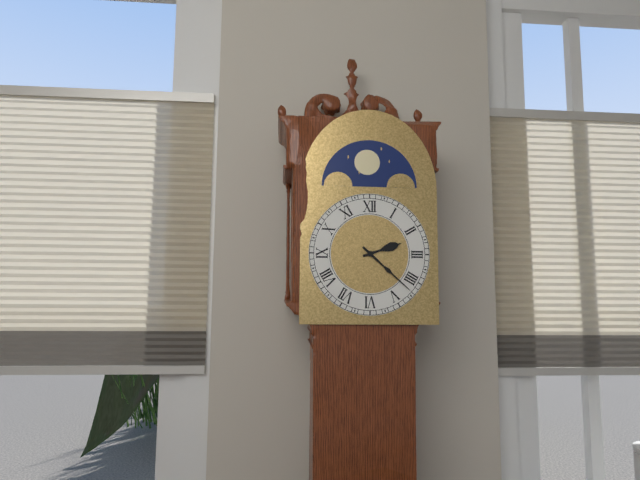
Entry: 2:22
